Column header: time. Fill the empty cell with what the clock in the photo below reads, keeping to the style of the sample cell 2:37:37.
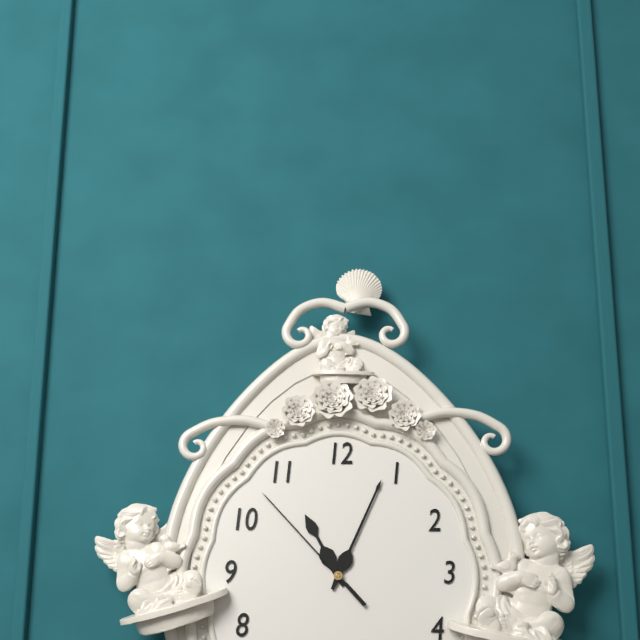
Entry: 11:04:53
